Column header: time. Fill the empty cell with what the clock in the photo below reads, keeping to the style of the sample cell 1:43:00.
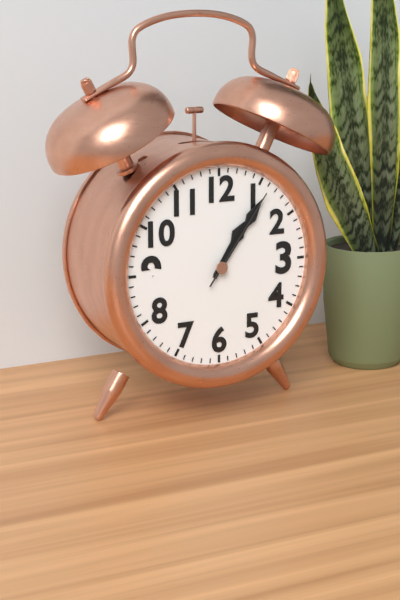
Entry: 1:06:06
